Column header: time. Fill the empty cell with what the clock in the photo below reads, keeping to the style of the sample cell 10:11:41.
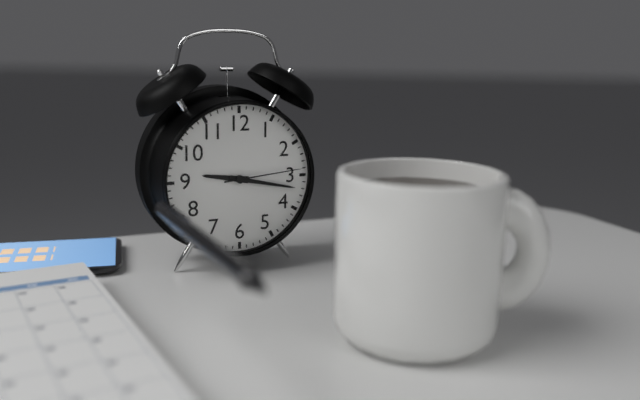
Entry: 9:17:14
